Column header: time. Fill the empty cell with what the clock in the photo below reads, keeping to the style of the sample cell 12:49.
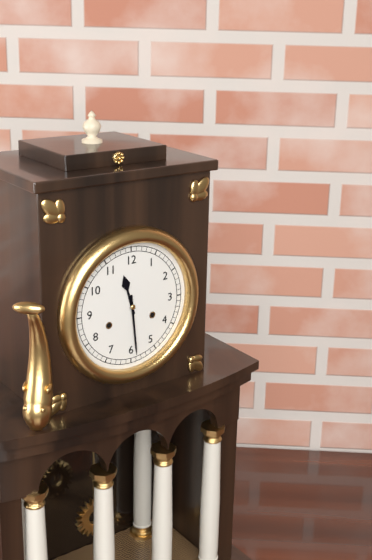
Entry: 11:29
